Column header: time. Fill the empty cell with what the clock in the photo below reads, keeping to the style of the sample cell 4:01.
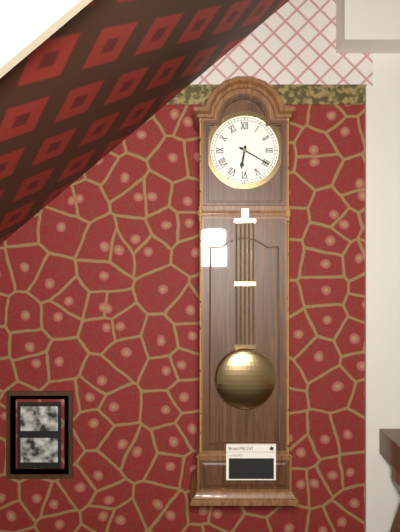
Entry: 6:20
